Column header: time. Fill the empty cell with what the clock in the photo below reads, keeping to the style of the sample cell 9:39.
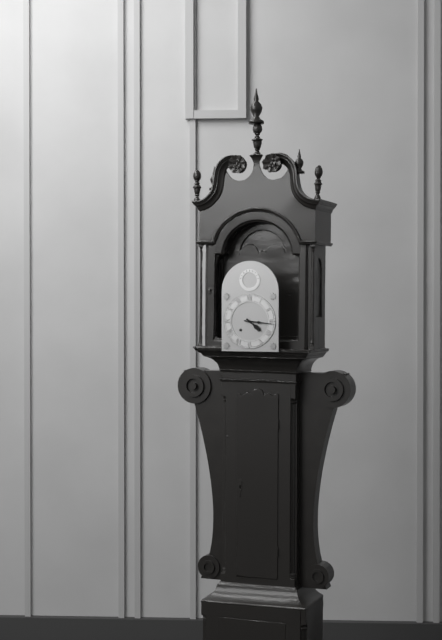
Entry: 4:16
